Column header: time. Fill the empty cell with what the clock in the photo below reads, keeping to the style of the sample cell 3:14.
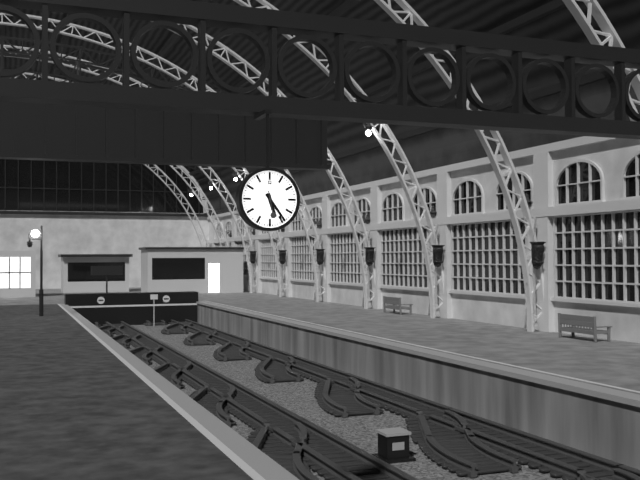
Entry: 5:24
